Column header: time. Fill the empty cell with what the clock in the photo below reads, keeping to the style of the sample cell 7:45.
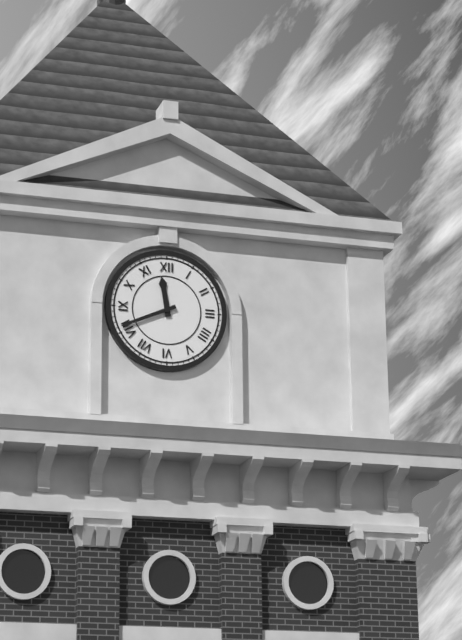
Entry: 11:41
